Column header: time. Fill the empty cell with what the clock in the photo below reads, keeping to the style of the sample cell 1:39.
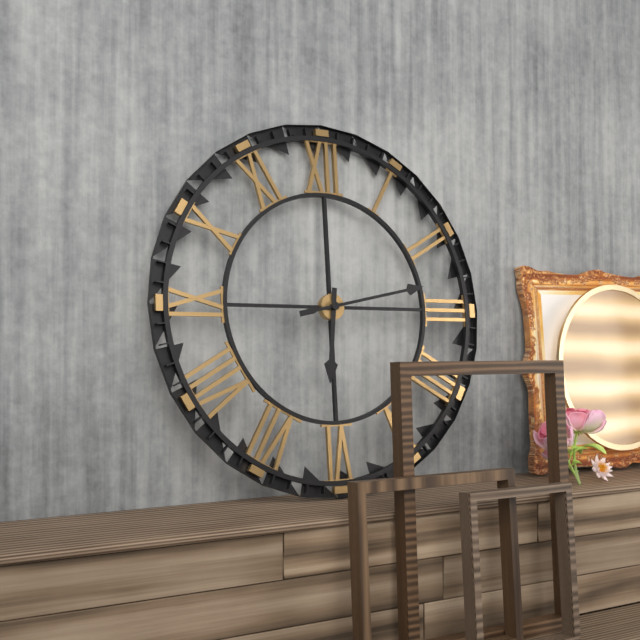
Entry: 6:13
